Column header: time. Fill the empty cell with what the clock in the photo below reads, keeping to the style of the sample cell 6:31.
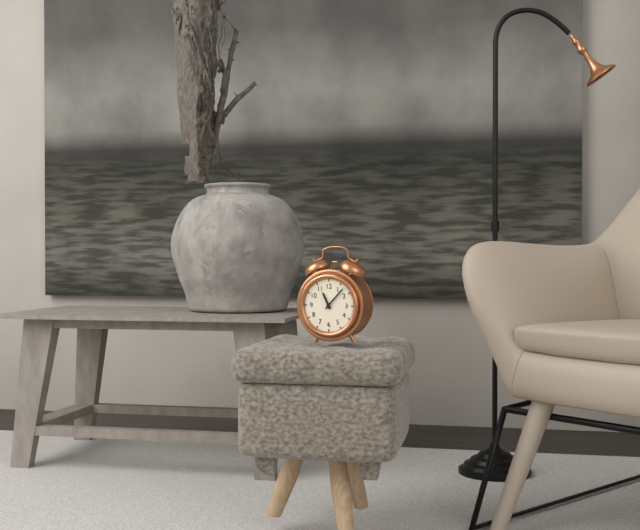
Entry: 11:07
